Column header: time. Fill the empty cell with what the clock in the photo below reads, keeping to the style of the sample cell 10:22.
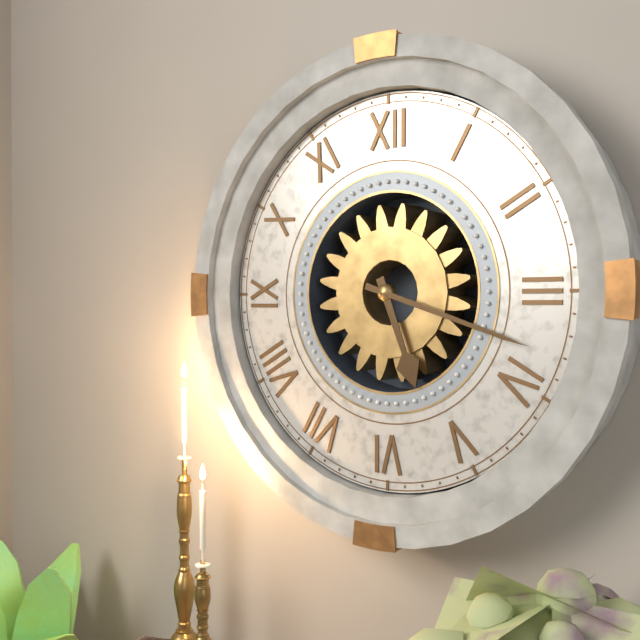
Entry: 5:18
